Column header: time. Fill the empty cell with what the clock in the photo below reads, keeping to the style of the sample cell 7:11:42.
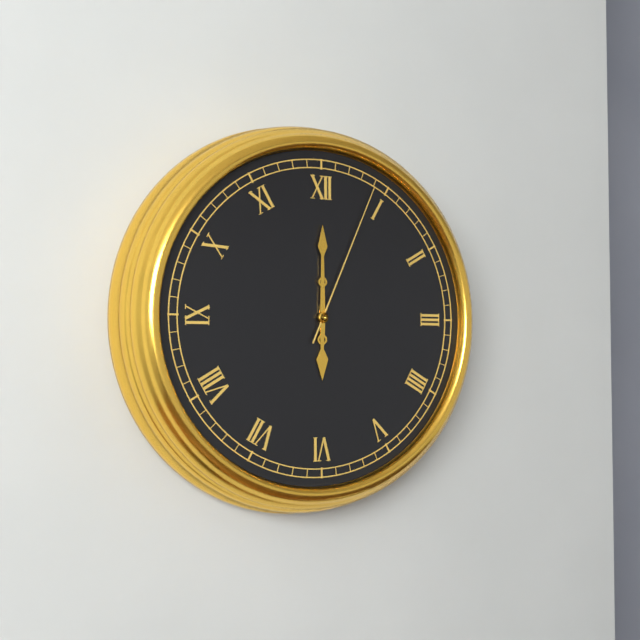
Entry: 6:00:04
